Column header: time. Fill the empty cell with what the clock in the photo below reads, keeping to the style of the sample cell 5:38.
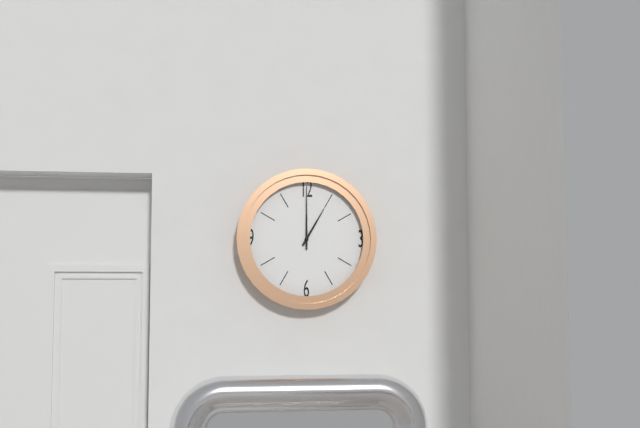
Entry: 1:00
